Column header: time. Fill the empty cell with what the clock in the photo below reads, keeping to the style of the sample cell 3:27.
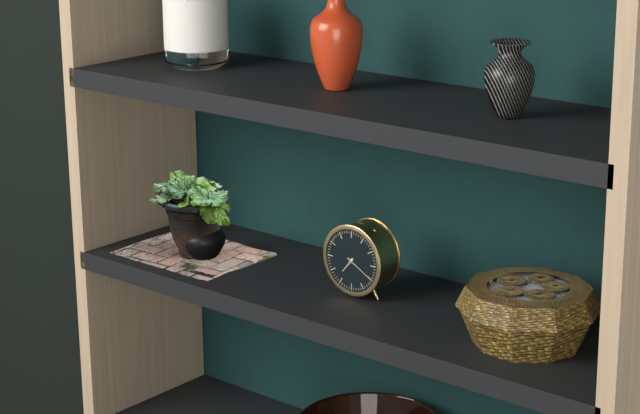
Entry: 7:20
